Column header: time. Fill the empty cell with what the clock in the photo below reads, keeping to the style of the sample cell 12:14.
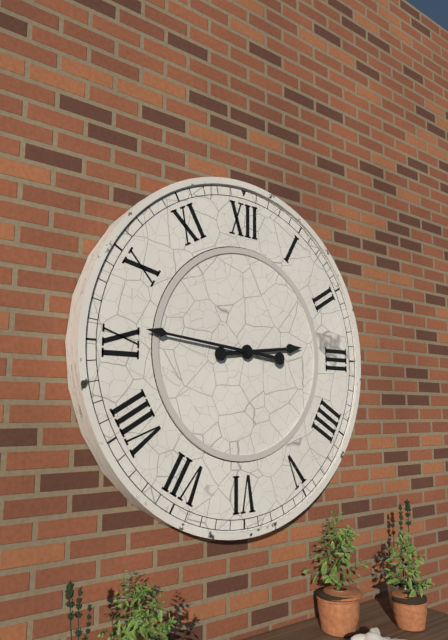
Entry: 2:46
